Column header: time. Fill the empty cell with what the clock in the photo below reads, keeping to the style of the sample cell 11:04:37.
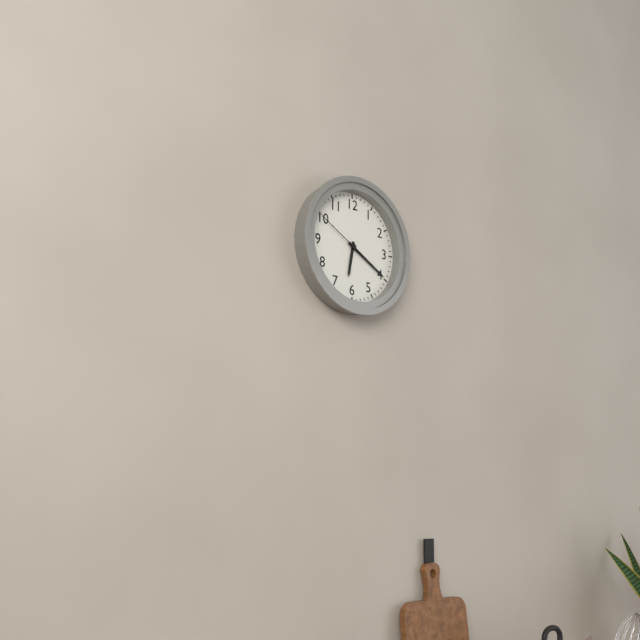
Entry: 6:20:50
